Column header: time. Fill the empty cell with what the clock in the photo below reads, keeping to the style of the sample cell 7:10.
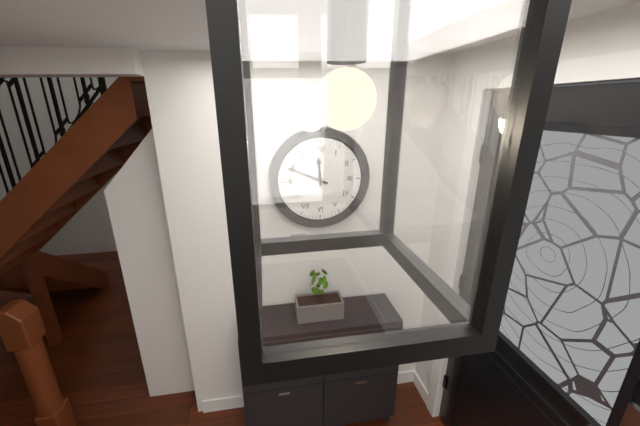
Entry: 11:49
